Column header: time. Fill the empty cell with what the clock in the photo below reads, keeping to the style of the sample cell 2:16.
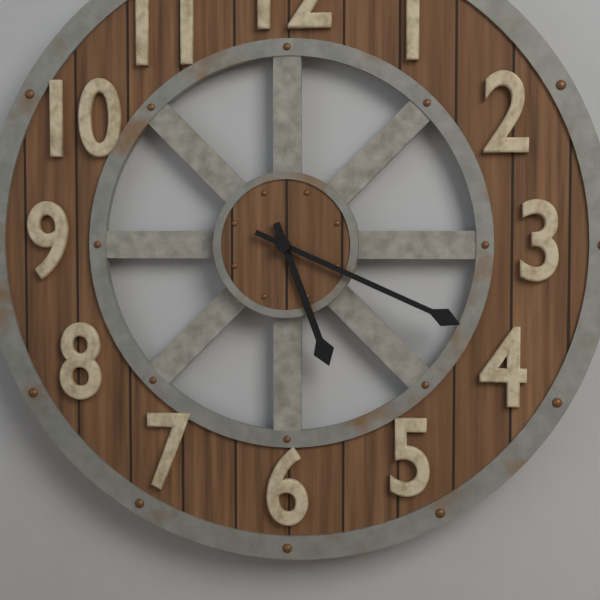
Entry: 5:19
